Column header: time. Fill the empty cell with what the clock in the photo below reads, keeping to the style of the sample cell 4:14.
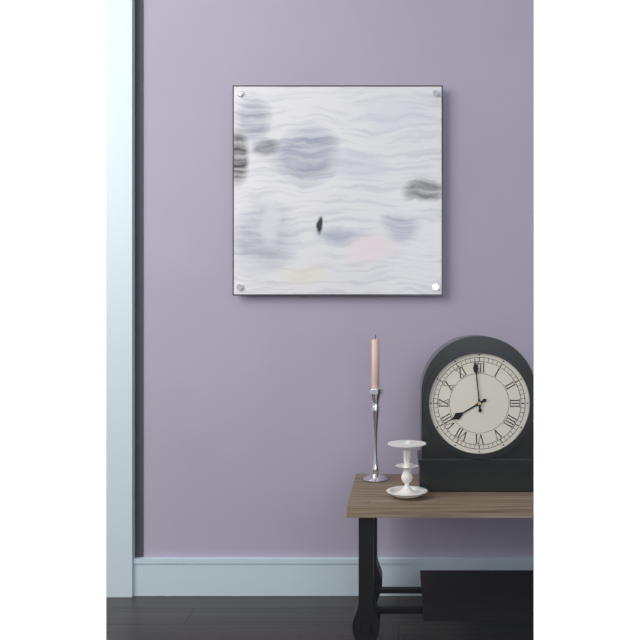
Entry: 7:59
